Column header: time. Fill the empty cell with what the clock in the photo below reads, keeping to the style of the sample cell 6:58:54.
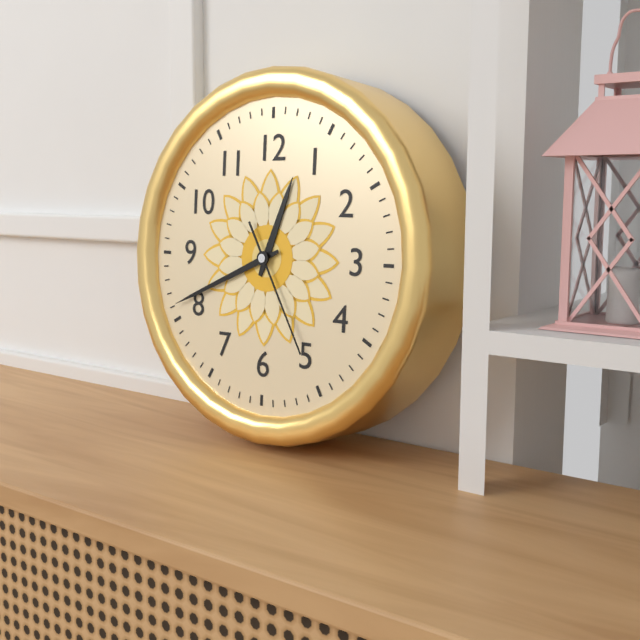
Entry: 12:41:25
